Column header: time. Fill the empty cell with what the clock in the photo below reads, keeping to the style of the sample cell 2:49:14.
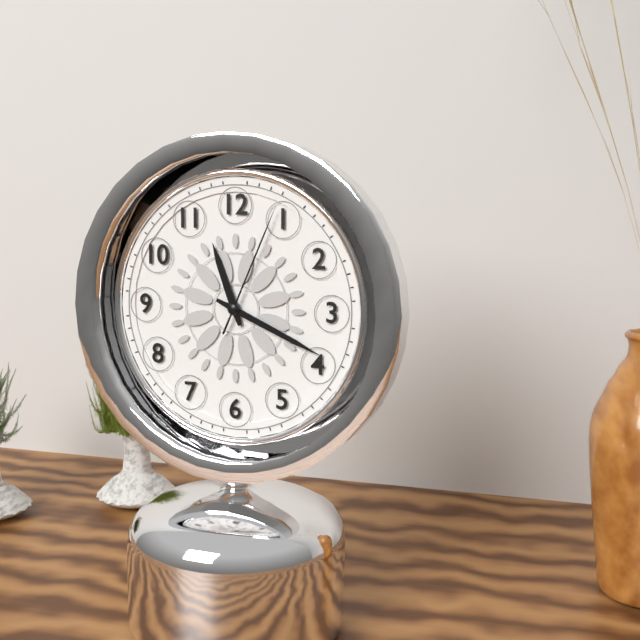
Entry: 11:19:04
